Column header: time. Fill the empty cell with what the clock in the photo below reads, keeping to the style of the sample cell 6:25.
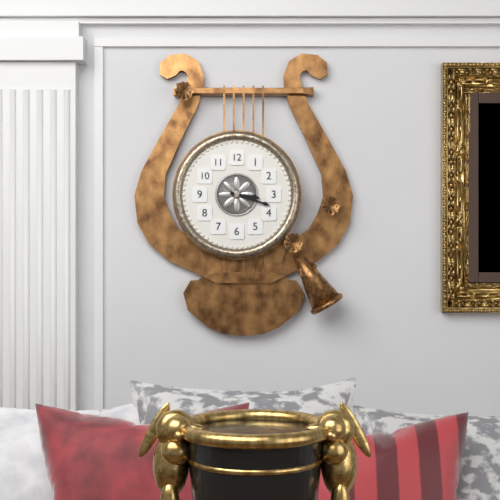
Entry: 3:18
